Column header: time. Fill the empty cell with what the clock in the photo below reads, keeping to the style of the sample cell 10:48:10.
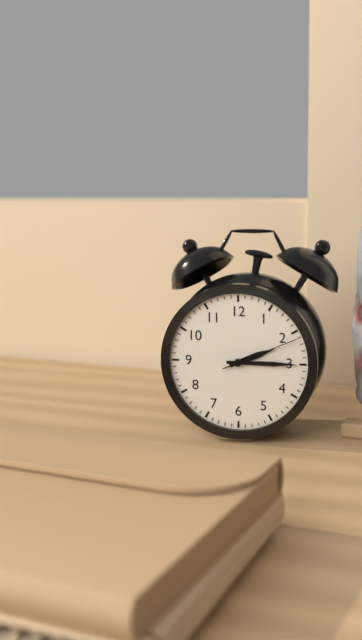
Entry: 2:15:11
